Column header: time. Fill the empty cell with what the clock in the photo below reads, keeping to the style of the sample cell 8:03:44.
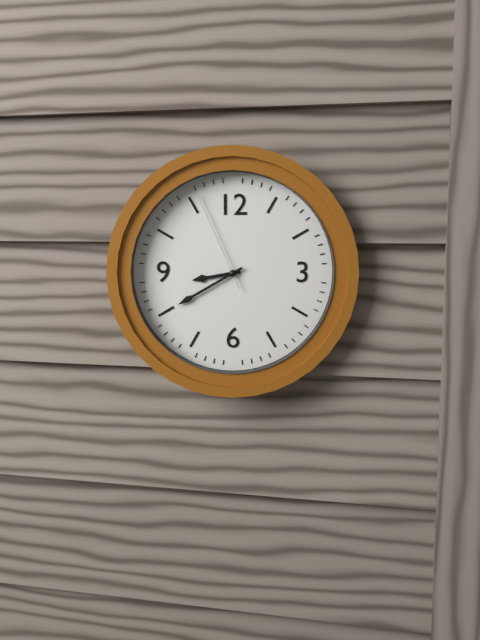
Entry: 8:40:56
